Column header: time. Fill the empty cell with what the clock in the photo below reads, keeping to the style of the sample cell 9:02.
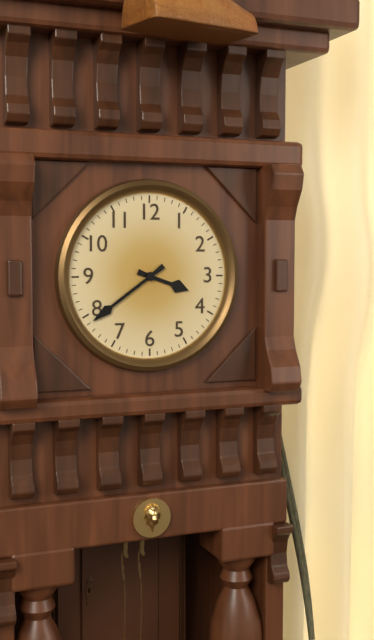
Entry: 3:39
